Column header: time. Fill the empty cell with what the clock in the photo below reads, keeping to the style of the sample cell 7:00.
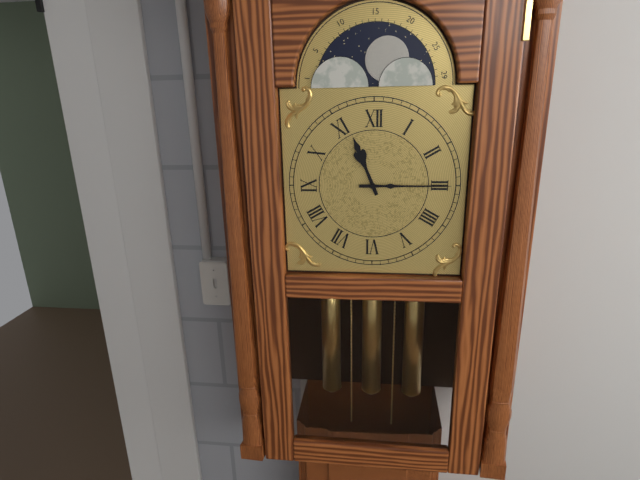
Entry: 11:15
